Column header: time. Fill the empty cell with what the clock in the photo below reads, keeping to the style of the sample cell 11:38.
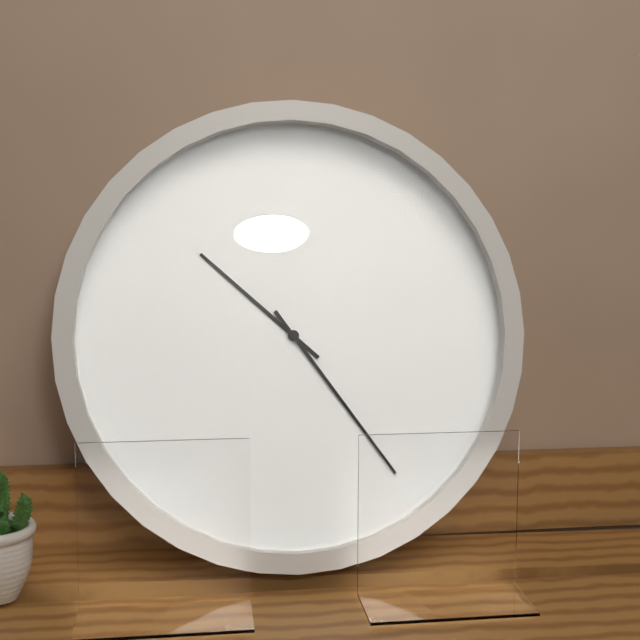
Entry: 10:24
